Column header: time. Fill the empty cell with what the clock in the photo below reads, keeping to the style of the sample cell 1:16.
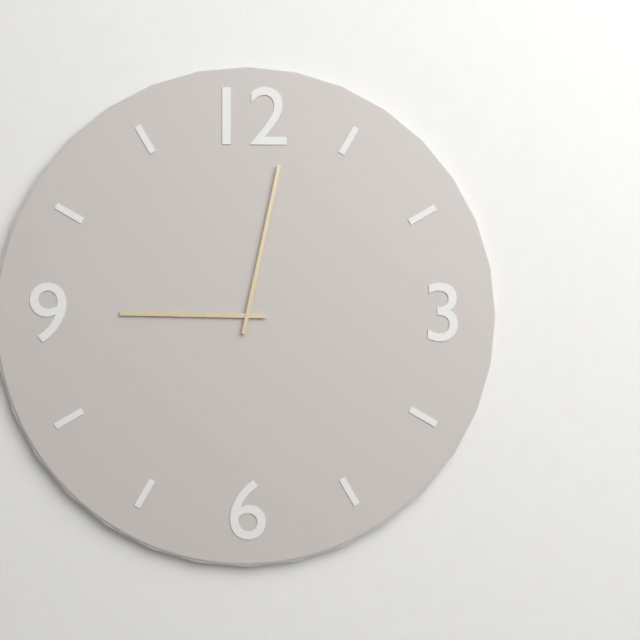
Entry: 9:02
